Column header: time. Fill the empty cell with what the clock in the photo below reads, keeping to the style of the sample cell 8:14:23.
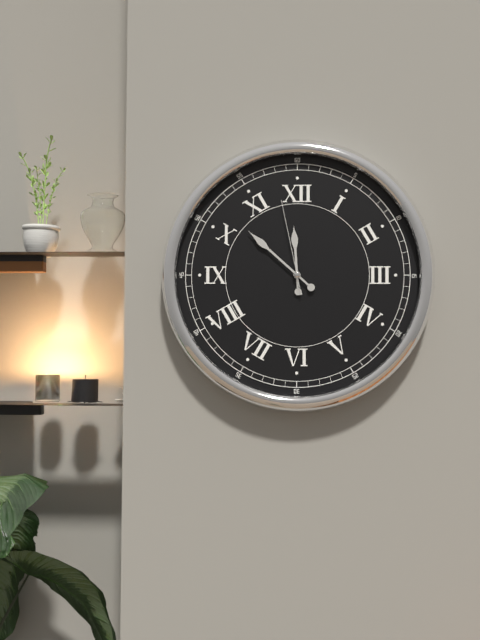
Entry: 11:52:58
